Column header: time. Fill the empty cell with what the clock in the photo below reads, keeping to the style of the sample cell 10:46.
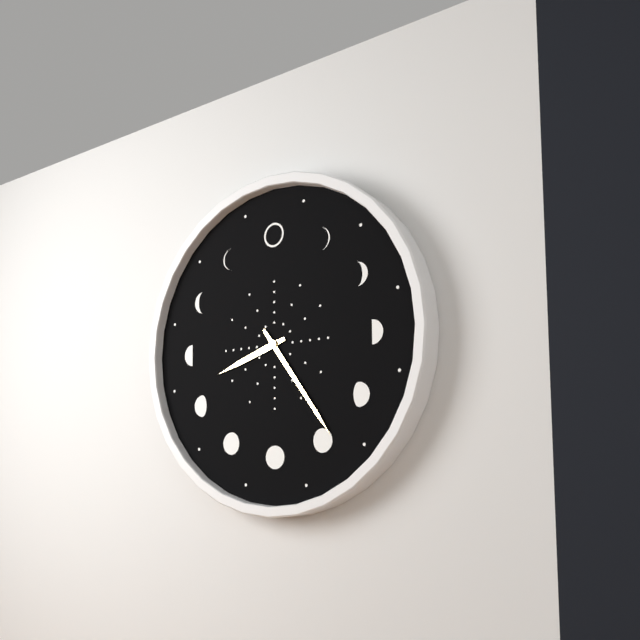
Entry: 8:24
